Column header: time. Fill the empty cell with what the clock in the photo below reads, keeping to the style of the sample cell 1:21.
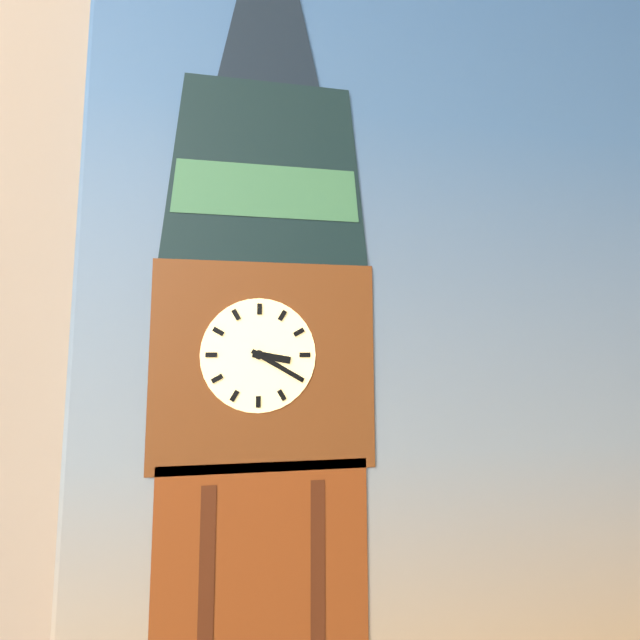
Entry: 3:20
